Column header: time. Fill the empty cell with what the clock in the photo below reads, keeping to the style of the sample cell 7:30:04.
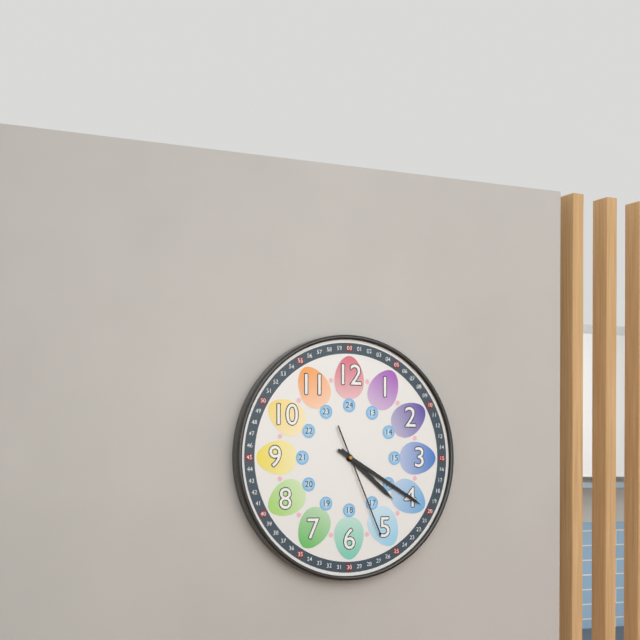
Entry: 4:20:26
